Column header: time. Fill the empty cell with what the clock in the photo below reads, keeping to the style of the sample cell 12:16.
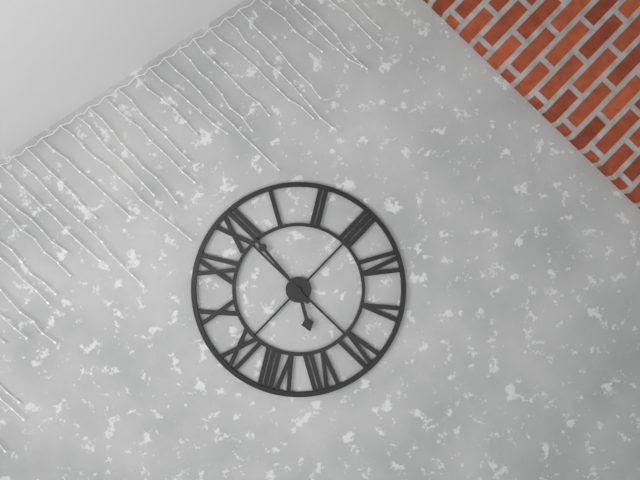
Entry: 7:01
